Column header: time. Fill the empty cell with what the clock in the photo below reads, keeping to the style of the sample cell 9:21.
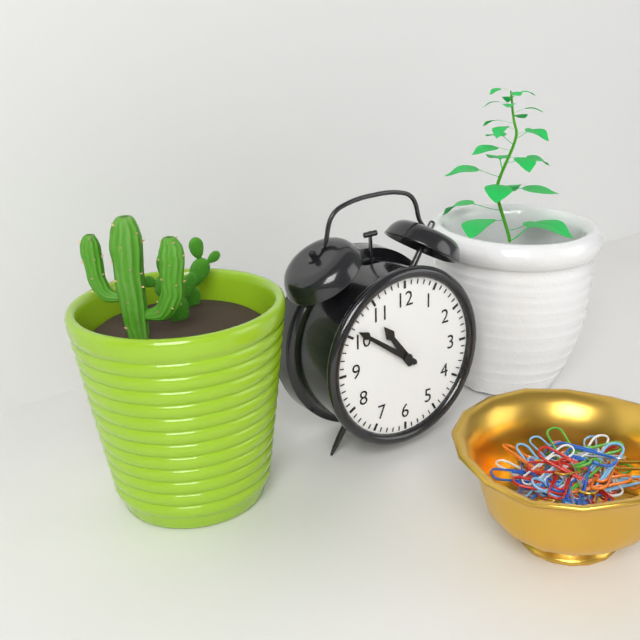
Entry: 10:51
